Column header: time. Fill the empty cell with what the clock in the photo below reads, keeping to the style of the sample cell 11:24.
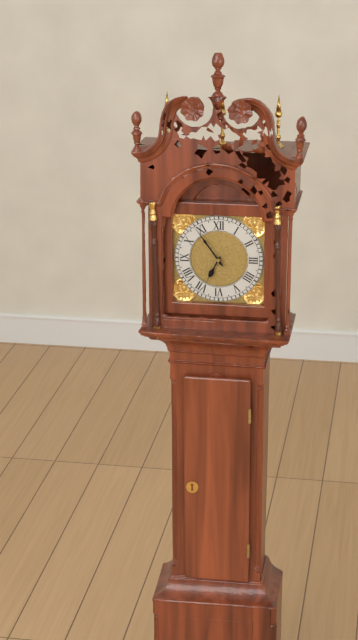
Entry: 6:54
